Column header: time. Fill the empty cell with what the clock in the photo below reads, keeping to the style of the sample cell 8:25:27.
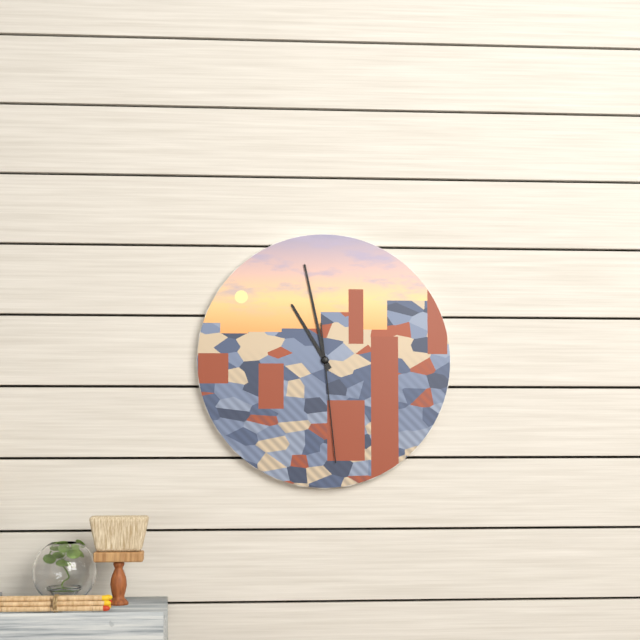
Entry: 10:58:29
